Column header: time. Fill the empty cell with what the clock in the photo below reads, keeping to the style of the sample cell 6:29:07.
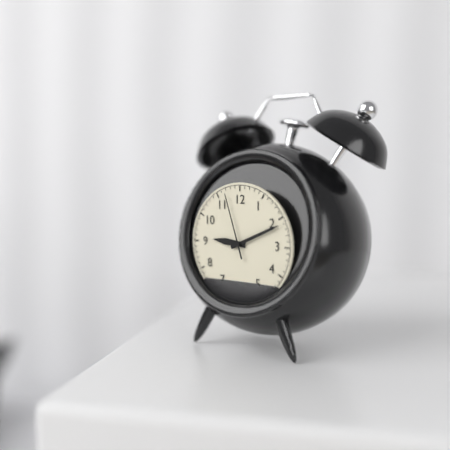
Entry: 9:11:57
